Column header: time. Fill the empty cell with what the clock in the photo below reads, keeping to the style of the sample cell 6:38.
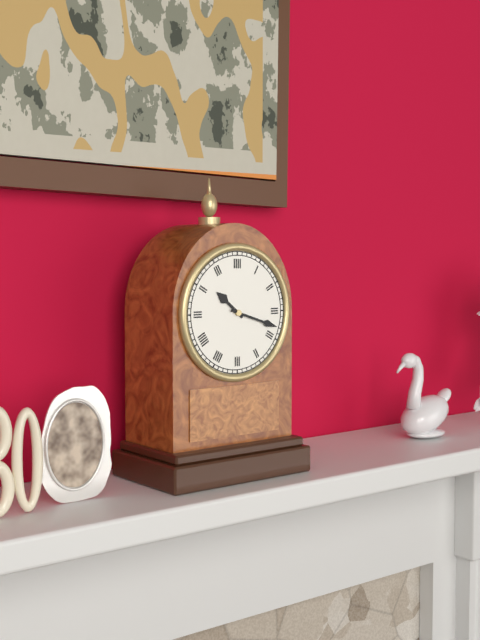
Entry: 10:18
